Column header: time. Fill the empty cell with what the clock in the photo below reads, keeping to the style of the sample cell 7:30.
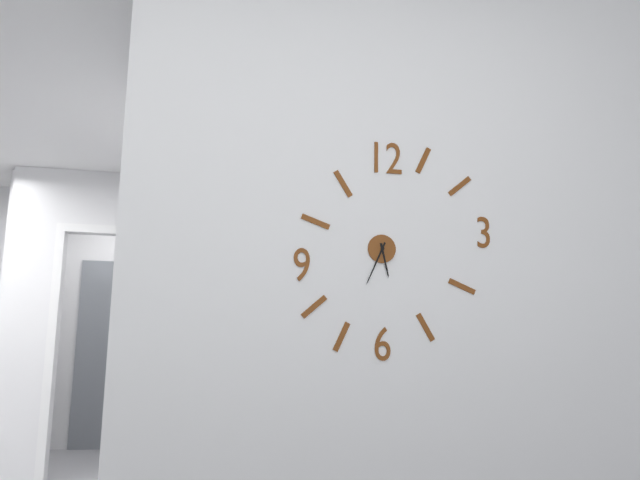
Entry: 5:34
